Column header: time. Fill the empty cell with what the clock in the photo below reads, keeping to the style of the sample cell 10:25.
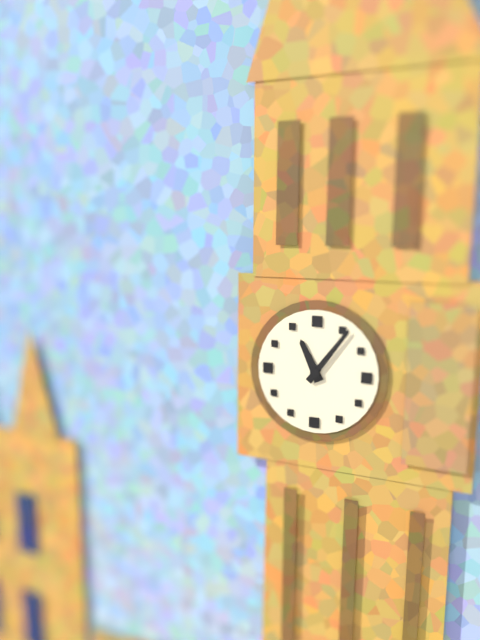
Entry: 11:06
